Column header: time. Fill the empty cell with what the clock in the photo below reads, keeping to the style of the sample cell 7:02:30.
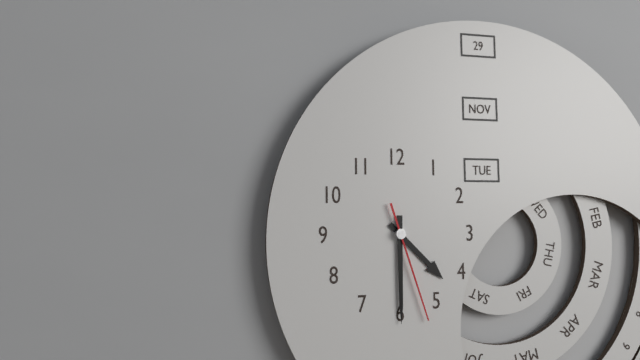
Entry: 4:30:27
